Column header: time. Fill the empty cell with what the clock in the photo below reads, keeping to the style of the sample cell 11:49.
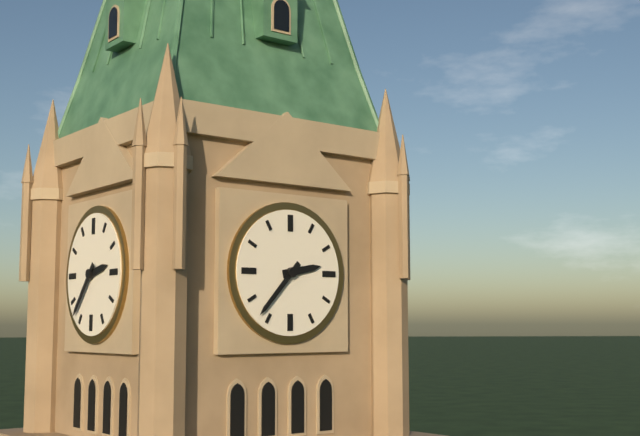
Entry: 2:37
